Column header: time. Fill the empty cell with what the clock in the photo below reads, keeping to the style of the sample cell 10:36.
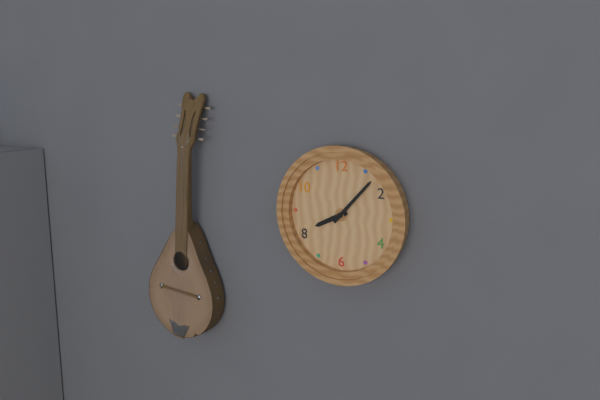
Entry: 8:07
